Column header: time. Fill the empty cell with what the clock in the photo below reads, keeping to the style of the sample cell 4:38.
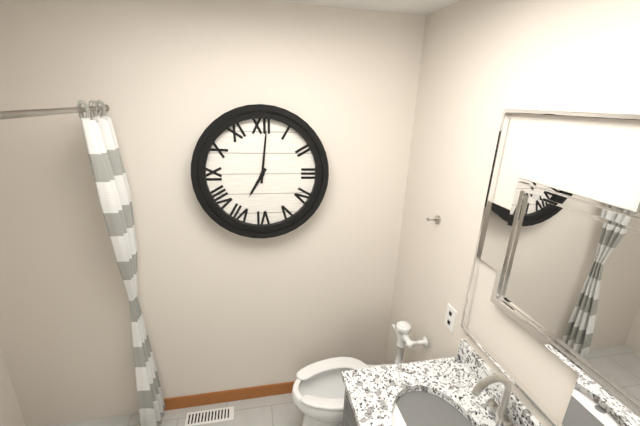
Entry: 7:01
